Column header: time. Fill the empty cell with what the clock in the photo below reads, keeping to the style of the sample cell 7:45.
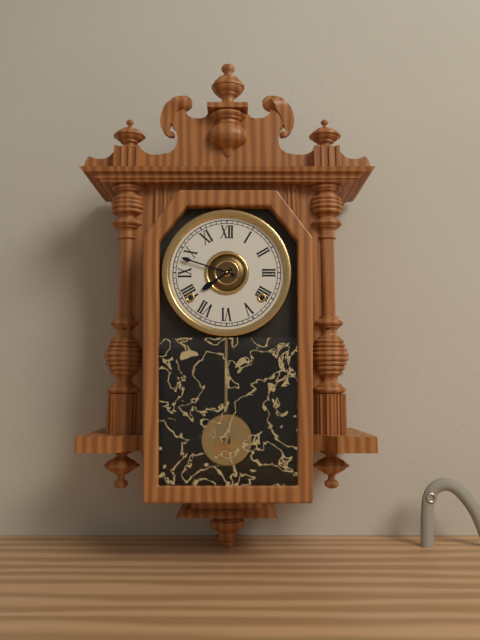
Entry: 7:48
